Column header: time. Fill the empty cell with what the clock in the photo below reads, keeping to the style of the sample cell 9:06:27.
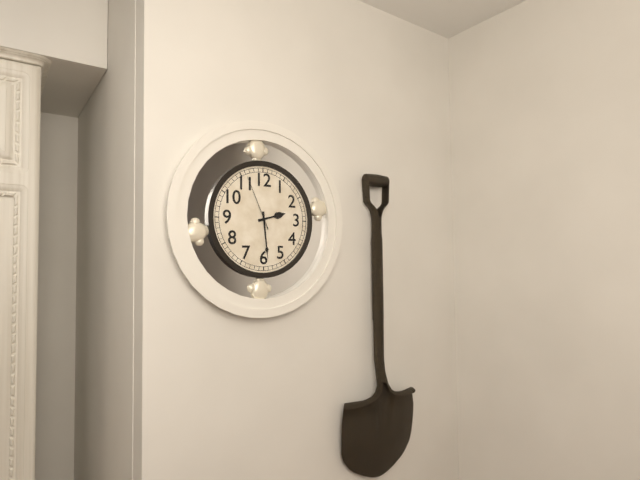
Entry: 2:29:56
